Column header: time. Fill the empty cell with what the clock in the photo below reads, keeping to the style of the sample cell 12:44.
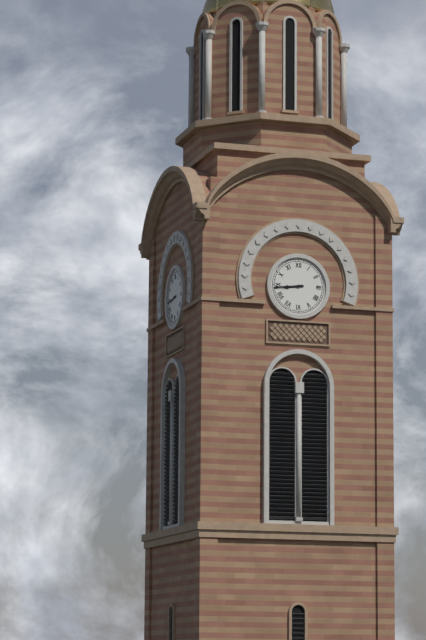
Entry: 8:44
